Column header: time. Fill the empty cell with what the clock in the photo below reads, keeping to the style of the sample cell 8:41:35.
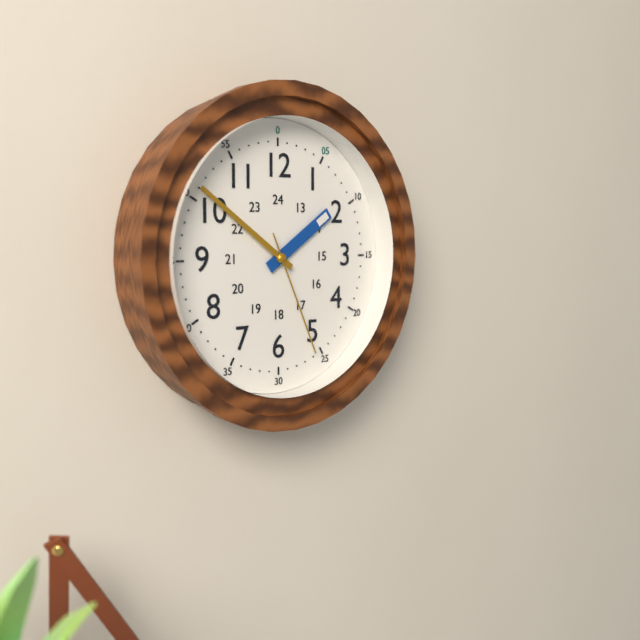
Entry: 1:51:26
